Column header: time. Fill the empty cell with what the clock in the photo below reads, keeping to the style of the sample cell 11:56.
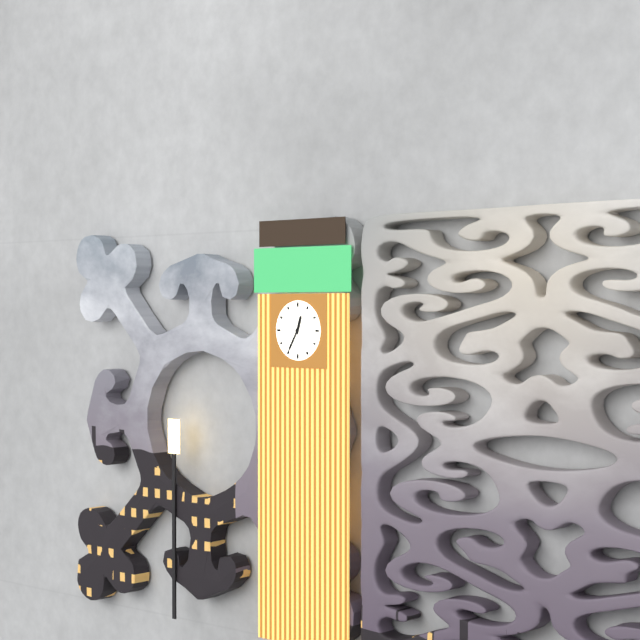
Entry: 12:35
